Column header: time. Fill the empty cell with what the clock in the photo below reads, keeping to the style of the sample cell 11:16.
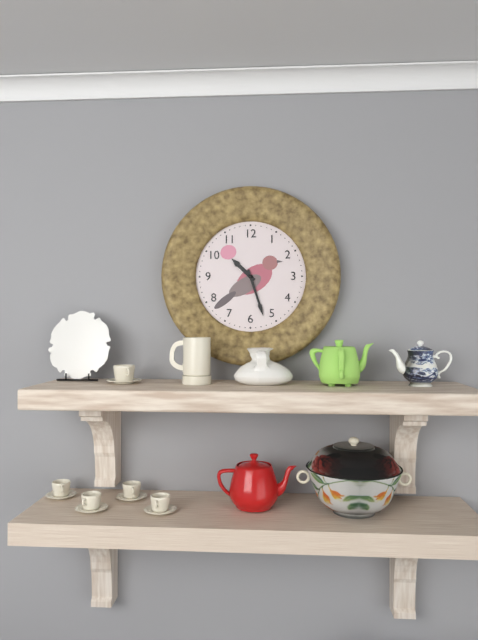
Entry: 10:27
